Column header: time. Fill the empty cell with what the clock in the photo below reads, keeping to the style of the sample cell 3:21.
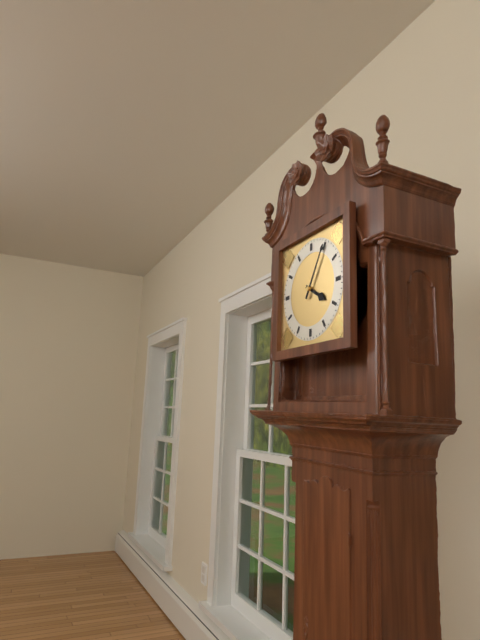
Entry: 4:05
